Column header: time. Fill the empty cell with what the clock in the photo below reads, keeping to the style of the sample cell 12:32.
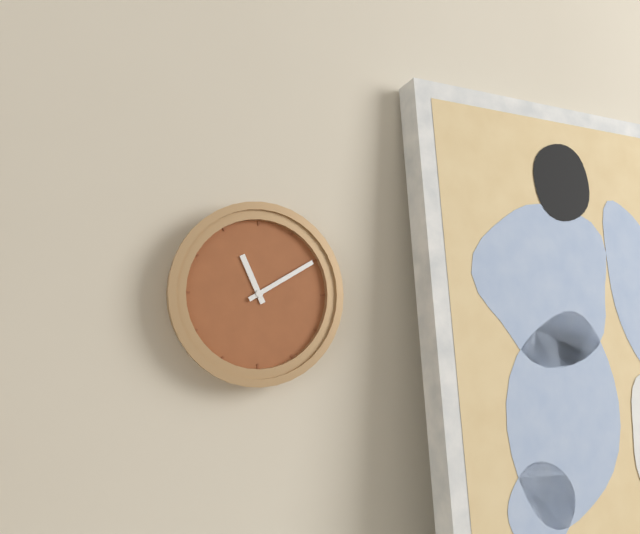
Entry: 11:10
